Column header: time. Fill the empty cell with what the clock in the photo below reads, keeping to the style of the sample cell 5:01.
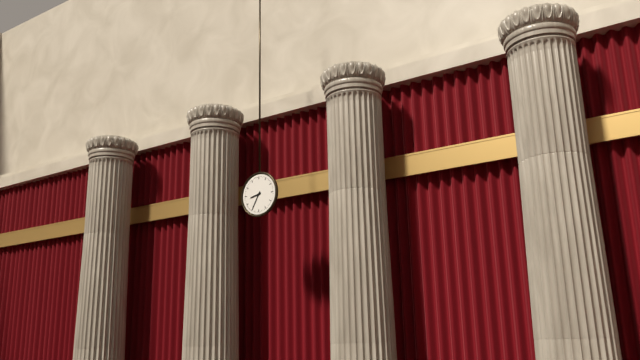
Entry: 8:35
